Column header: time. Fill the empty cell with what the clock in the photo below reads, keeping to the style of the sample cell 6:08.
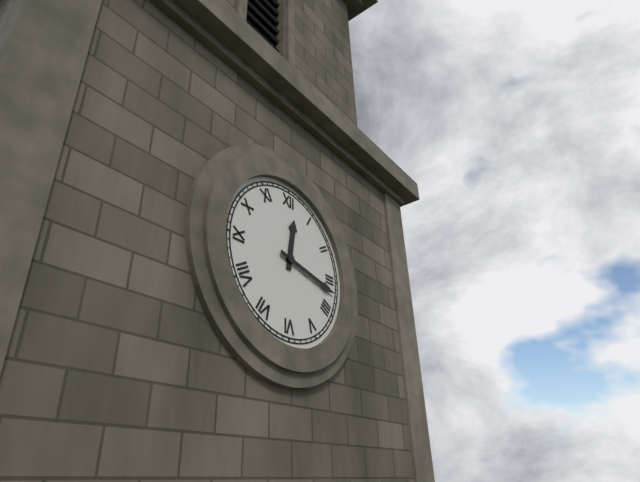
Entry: 12:17
